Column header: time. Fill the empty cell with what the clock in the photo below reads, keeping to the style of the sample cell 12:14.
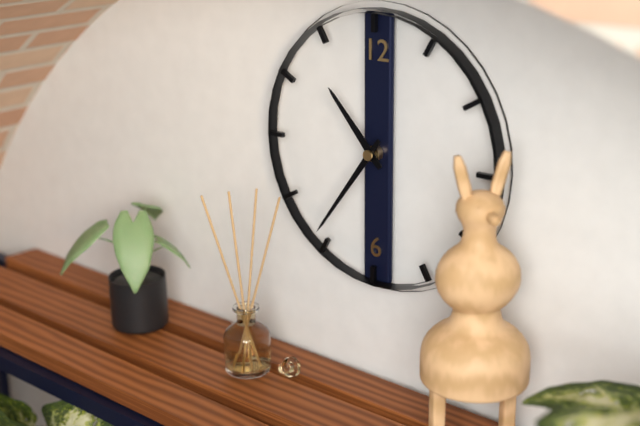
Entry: 10:36
